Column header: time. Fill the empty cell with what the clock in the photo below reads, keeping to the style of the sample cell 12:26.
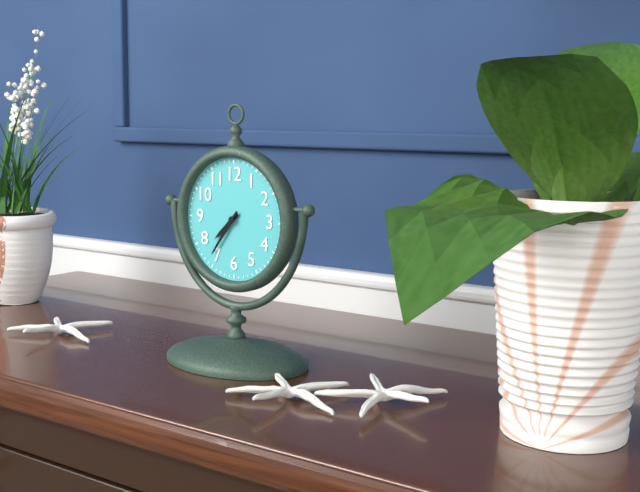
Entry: 7:36
